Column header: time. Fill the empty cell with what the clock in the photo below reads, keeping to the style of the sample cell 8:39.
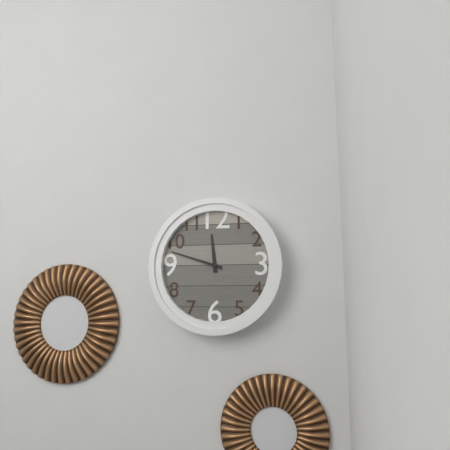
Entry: 11:48
